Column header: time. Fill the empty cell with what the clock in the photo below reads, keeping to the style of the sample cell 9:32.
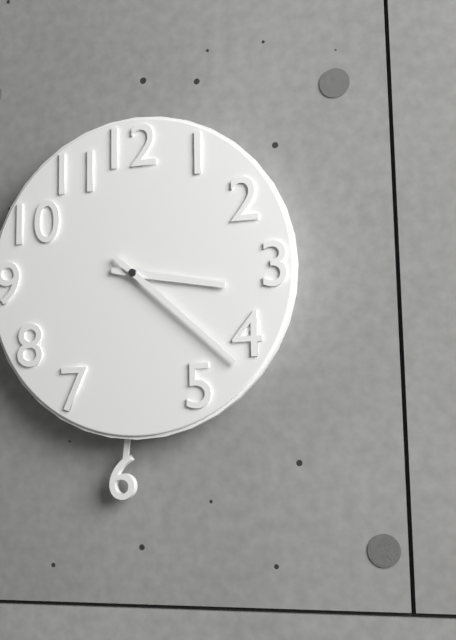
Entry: 3:22
